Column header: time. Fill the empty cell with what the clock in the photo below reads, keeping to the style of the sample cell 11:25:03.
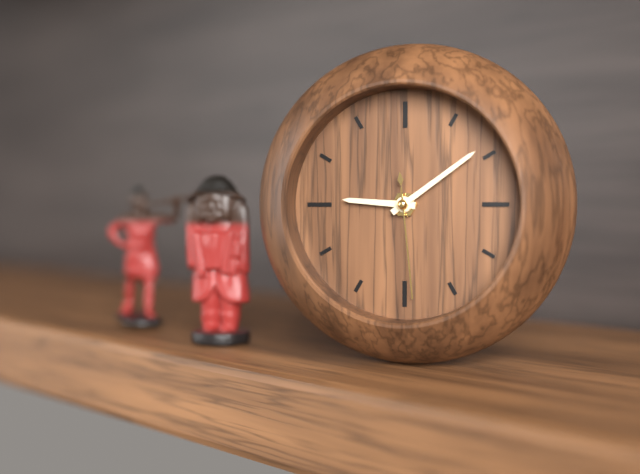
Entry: 9:09:29
